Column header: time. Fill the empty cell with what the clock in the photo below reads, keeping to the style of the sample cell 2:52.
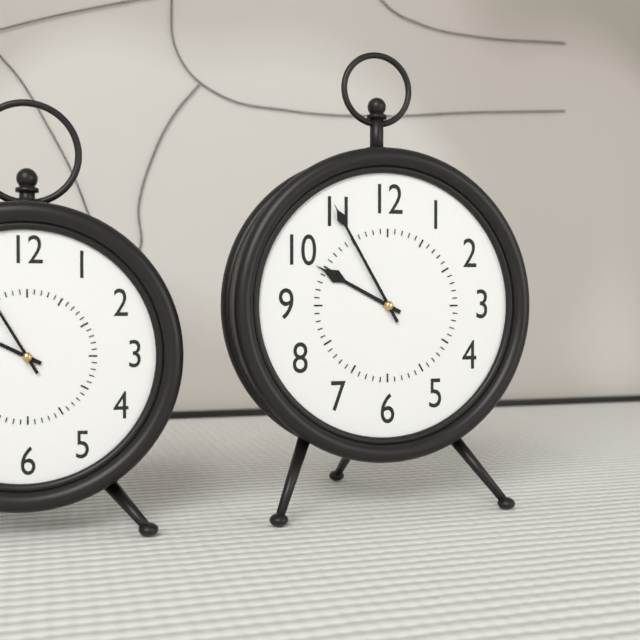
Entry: 9:55
